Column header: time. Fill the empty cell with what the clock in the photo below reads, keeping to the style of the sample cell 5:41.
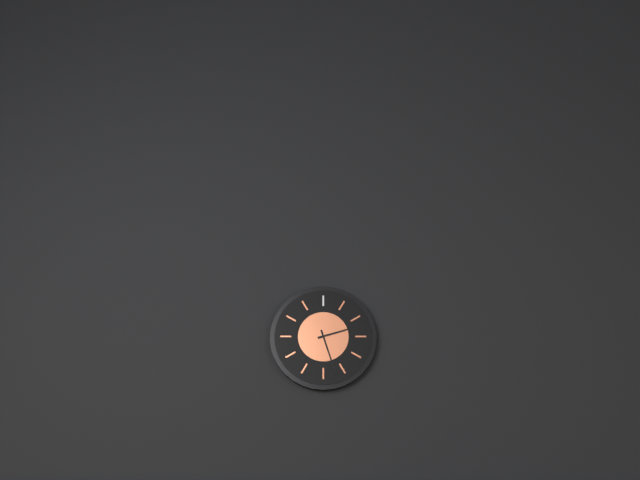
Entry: 2:27
